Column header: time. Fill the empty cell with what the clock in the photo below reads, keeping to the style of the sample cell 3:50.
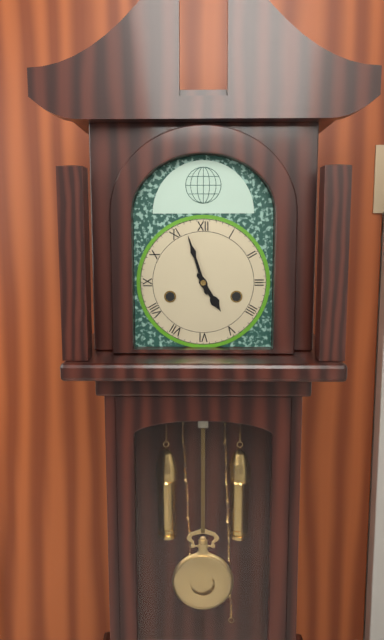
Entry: 4:57
